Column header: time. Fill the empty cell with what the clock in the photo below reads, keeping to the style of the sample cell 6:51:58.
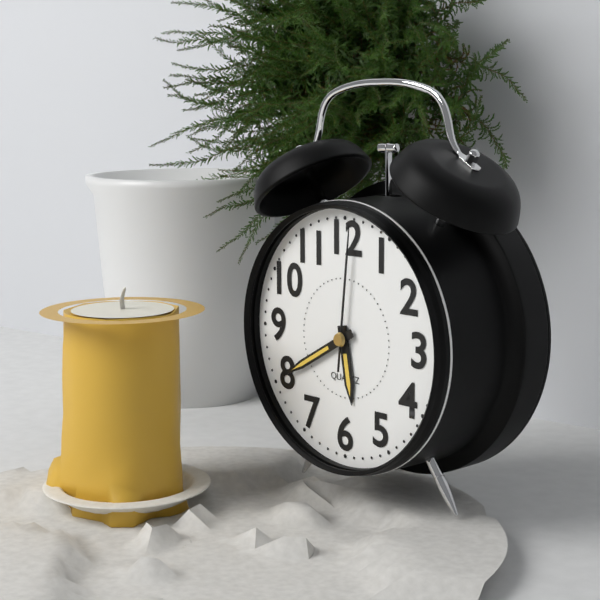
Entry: 5:40:01
